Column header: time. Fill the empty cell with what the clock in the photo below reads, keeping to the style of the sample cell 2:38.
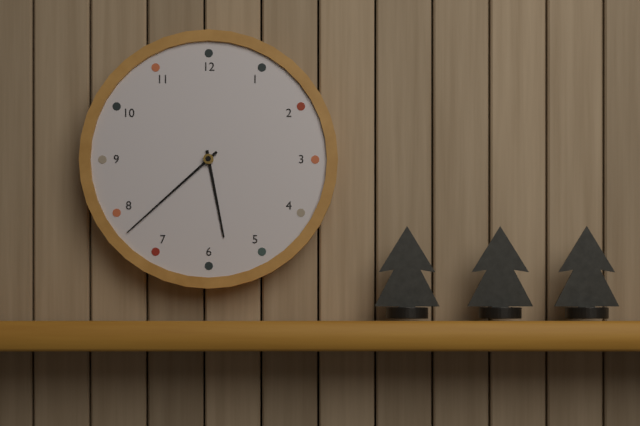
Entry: 5:38
